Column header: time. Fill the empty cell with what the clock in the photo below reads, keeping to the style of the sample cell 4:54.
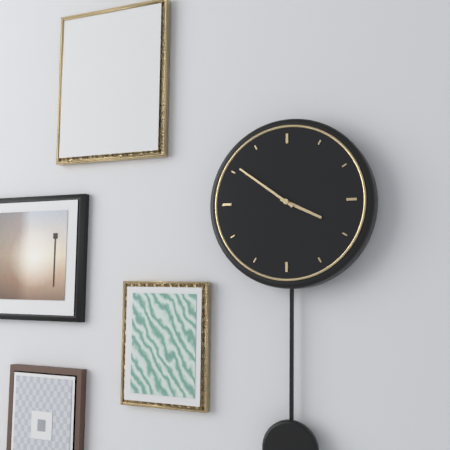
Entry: 3:51
